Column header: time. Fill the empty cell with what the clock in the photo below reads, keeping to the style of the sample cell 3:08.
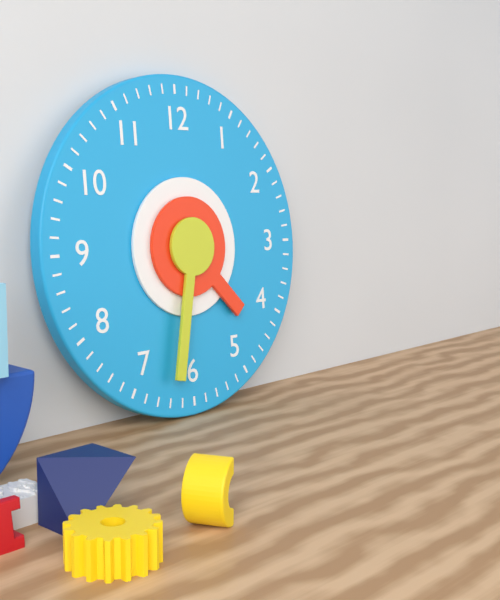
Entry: 4:32
